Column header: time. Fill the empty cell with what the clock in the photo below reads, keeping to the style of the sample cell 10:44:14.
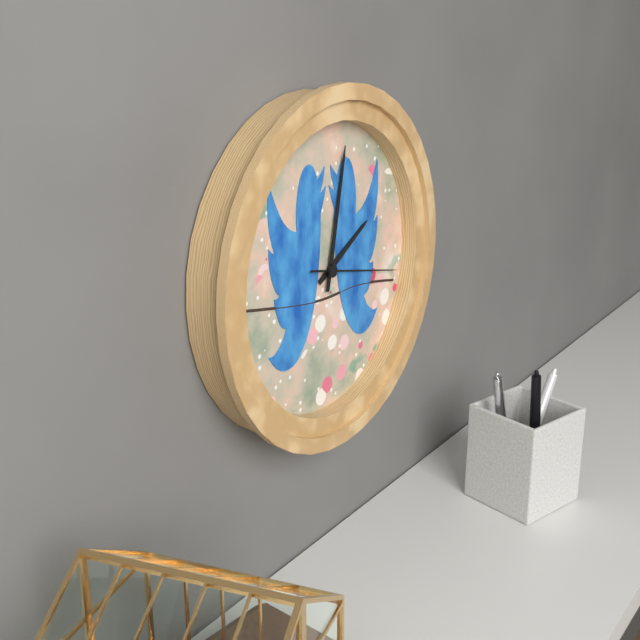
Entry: 2:02:17
